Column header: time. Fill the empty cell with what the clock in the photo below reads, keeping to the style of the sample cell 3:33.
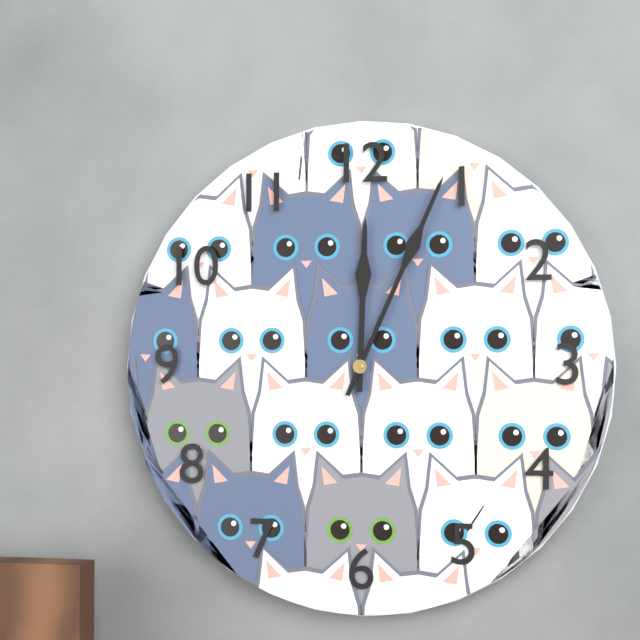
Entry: 12:04
